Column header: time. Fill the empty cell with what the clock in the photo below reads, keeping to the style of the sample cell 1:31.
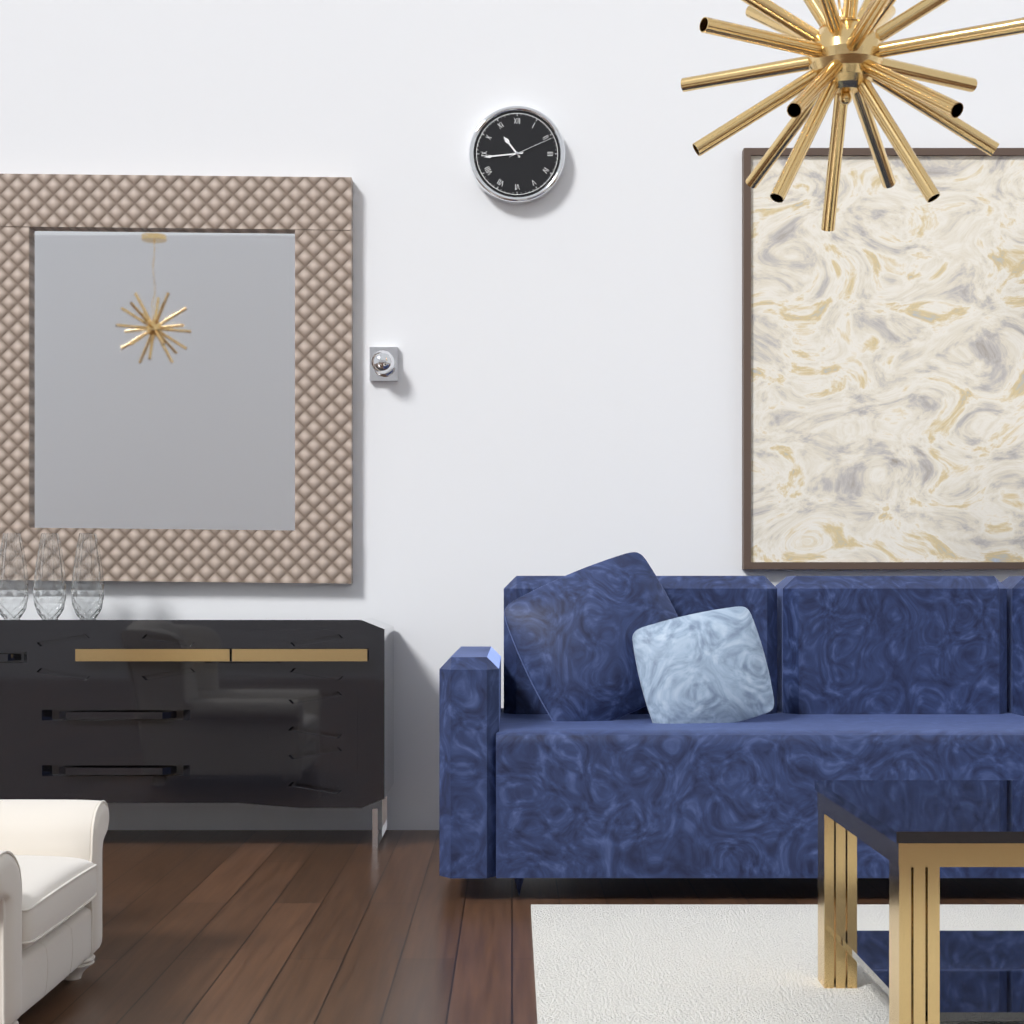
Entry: 10:44
